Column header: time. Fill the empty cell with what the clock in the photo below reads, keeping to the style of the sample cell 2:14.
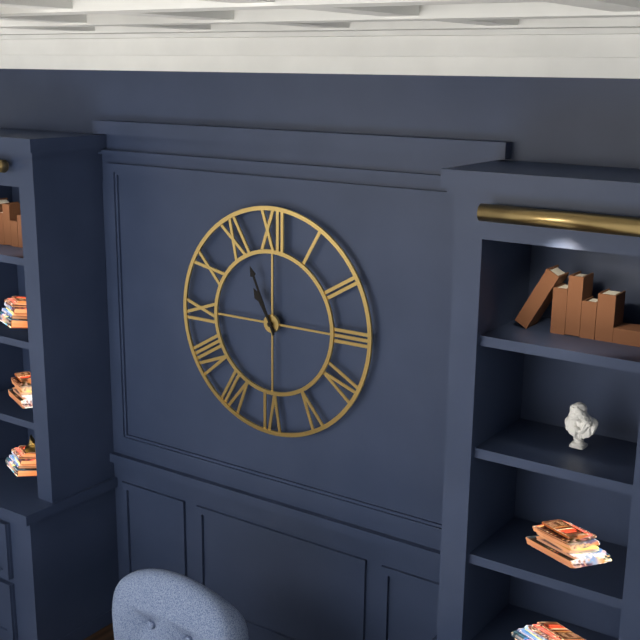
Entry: 10:56
